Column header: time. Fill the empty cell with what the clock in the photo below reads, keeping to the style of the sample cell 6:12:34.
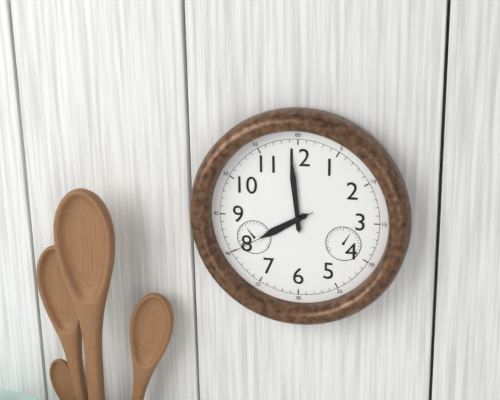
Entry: 7:59:40
